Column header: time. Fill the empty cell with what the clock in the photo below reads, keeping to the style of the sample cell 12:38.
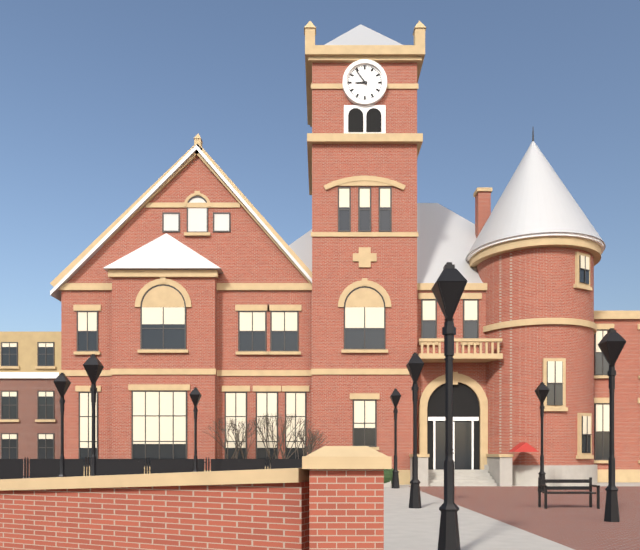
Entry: 8:54
